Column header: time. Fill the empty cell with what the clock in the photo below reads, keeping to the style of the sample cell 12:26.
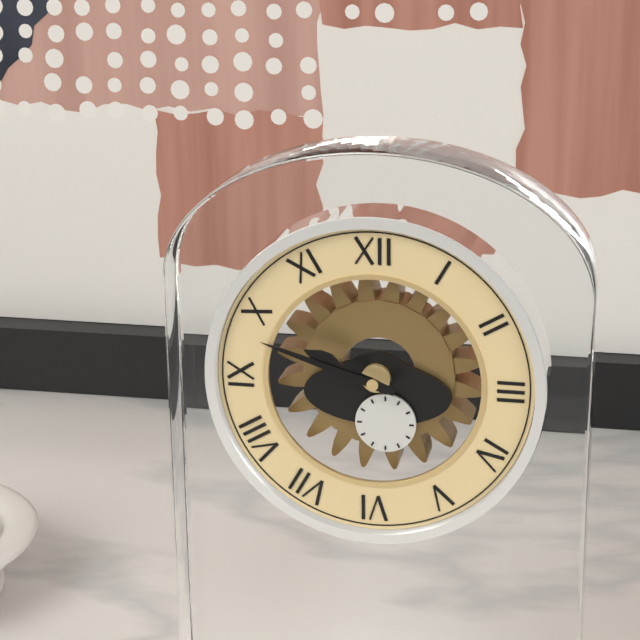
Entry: 9:48
